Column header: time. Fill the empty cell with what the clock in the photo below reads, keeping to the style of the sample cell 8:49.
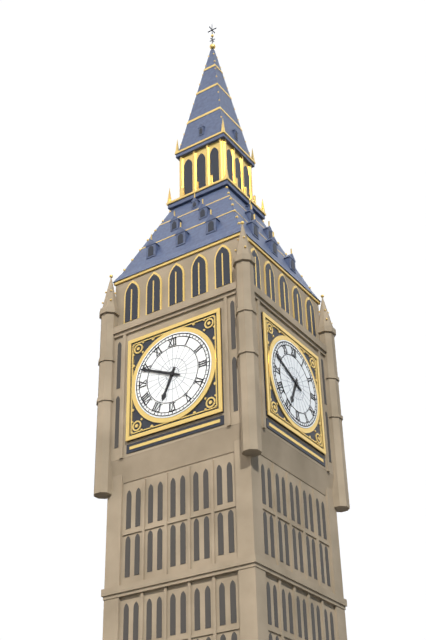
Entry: 6:49
